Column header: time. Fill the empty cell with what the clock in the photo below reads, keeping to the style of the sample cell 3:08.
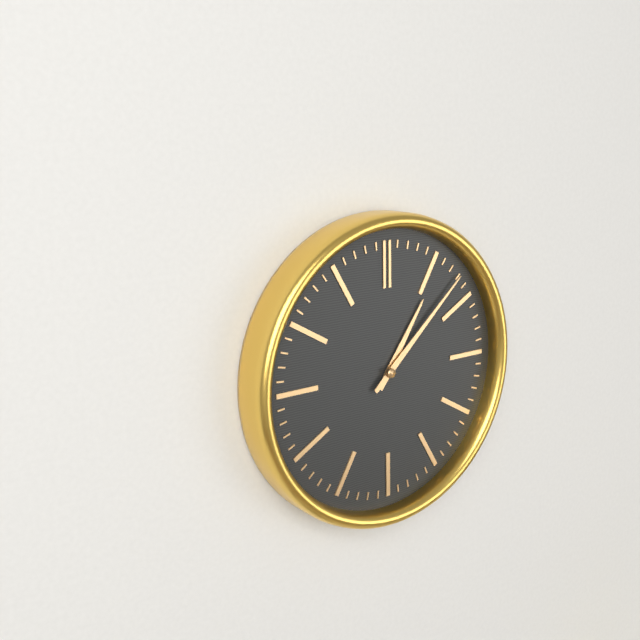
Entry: 1:08
